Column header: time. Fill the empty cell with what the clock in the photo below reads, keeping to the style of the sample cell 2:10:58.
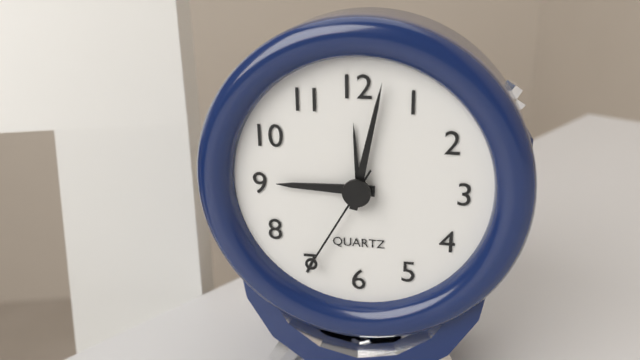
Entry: 9:02:35
